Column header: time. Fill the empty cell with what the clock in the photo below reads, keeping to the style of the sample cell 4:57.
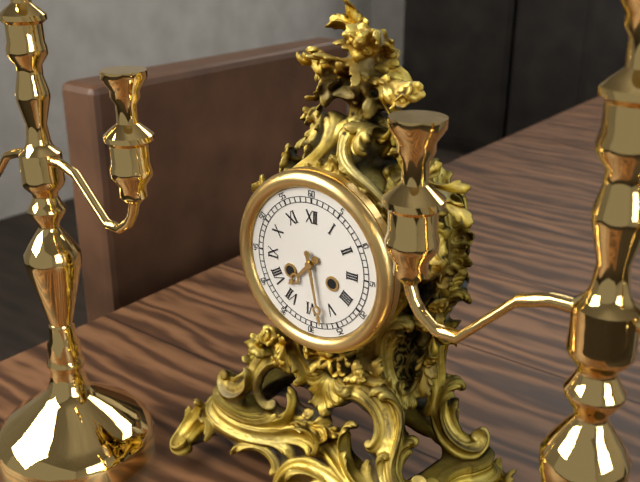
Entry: 7:28
